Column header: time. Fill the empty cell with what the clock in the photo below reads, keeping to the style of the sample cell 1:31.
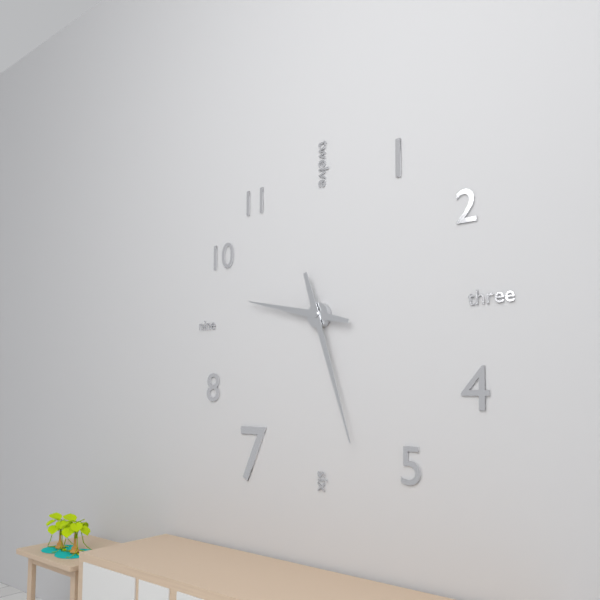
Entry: 9:27
